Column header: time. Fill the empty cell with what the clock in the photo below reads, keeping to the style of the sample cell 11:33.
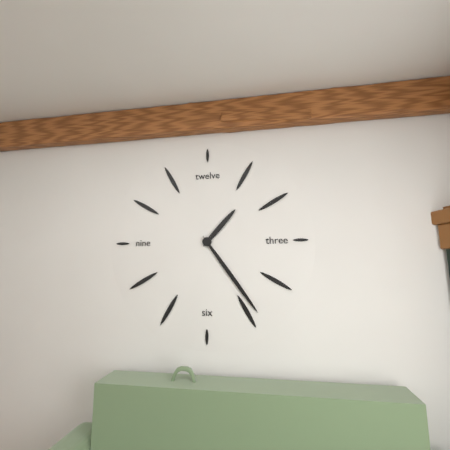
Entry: 1:24
